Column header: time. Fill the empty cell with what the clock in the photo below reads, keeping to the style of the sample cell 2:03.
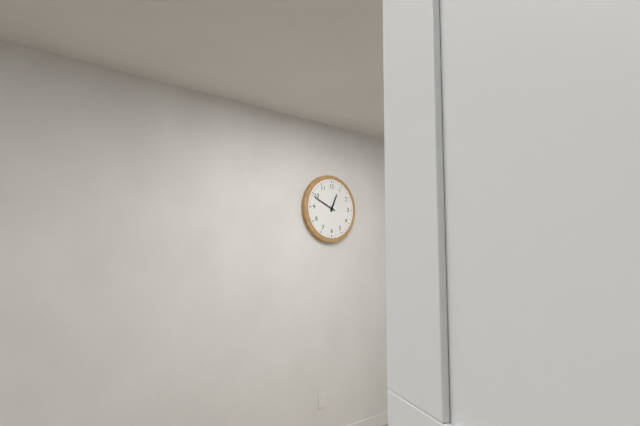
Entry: 12:49
